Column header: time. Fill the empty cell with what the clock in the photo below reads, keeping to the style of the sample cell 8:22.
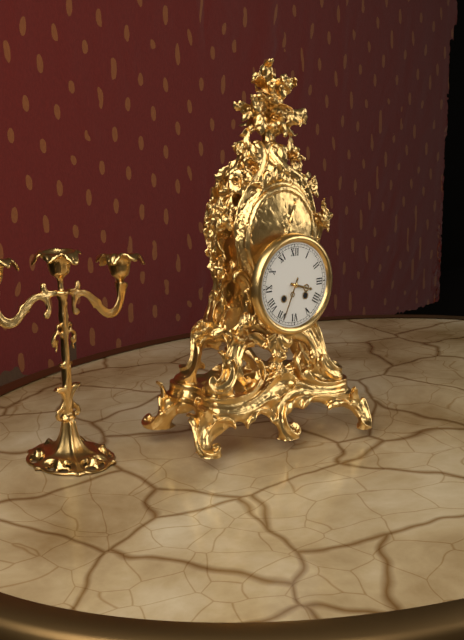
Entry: 3:34
